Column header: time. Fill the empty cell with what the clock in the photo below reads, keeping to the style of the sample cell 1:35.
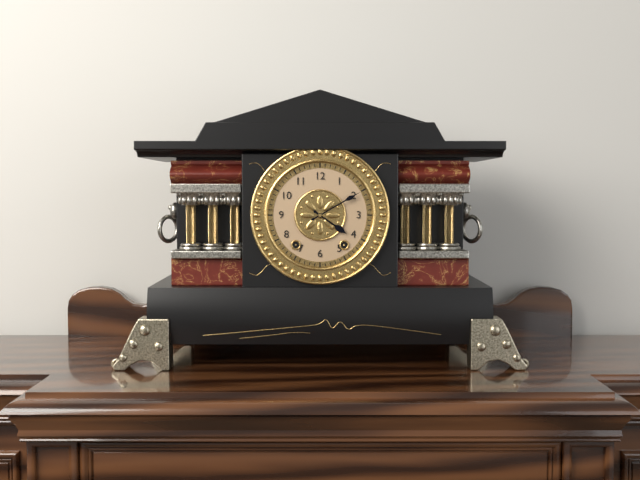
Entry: 4:10
